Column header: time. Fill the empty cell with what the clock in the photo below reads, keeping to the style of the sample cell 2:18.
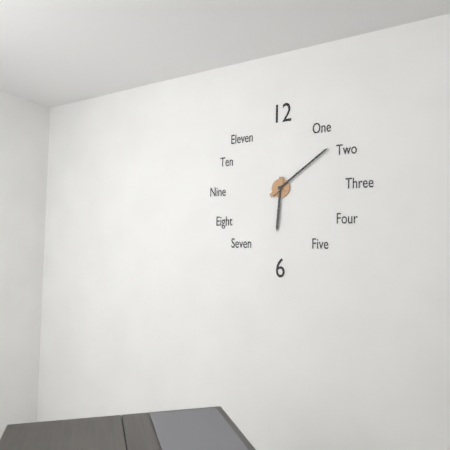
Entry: 6:09
